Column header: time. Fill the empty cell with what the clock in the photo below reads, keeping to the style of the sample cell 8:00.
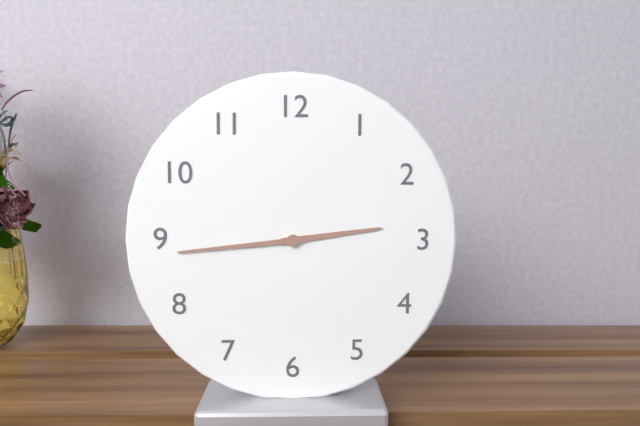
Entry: 2:44
